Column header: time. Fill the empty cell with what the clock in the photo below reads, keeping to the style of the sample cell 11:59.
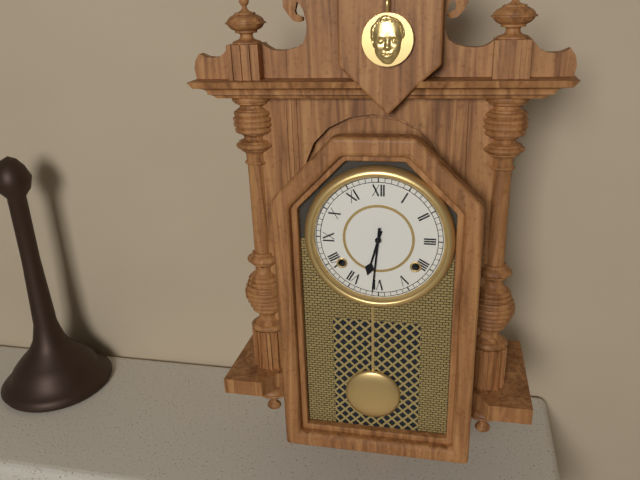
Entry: 6:31
